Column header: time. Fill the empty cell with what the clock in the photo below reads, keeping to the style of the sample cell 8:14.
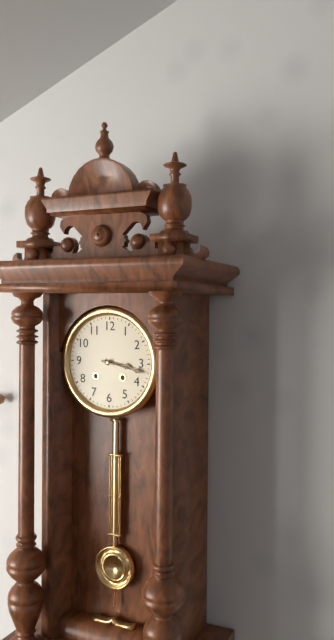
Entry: 3:17
